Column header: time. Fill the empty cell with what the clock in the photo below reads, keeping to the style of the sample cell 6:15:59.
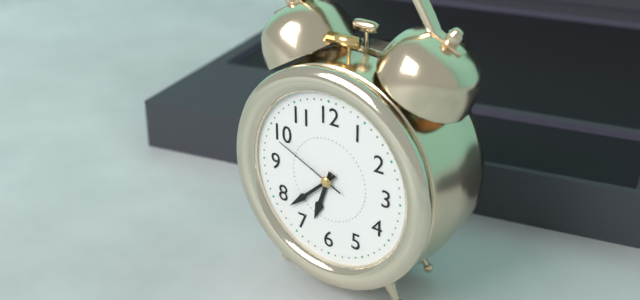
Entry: 6:38:49
